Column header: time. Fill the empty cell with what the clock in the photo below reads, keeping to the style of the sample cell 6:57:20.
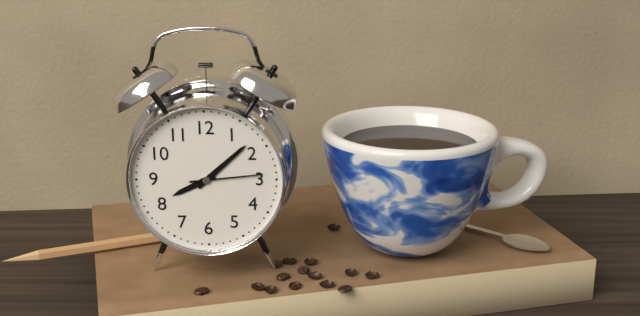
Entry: 8:08:14
